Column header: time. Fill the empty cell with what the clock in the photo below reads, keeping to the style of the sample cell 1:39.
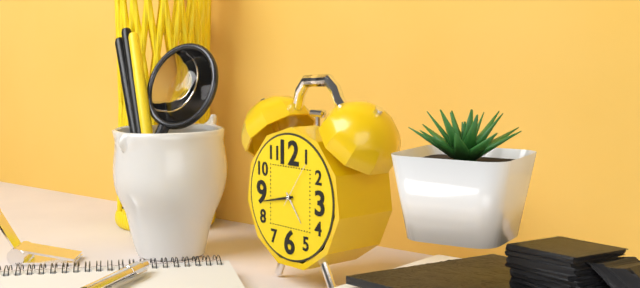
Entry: 4:43
